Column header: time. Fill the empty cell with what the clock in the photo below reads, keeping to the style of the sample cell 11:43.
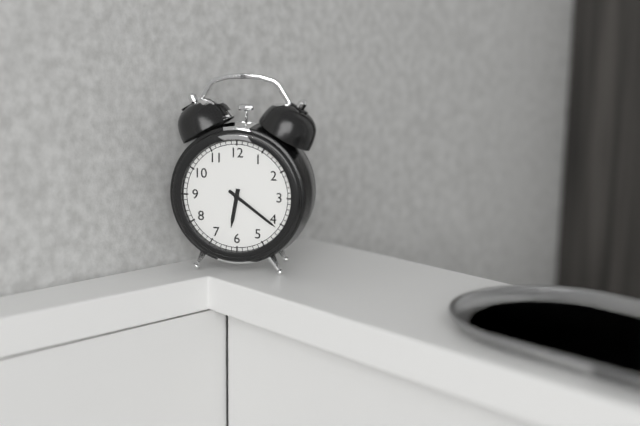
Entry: 6:21
